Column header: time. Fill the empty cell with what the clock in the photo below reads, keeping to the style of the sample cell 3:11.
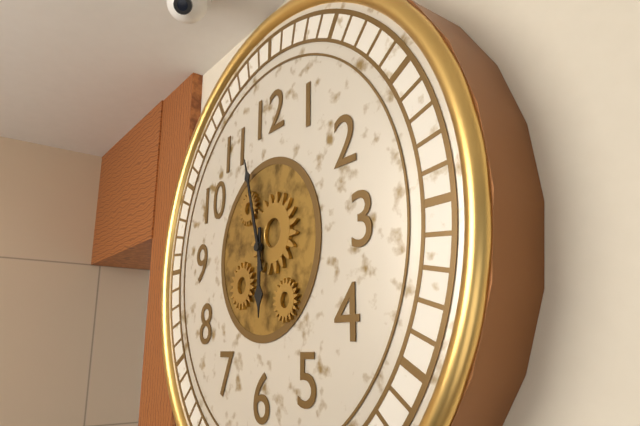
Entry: 5:57
